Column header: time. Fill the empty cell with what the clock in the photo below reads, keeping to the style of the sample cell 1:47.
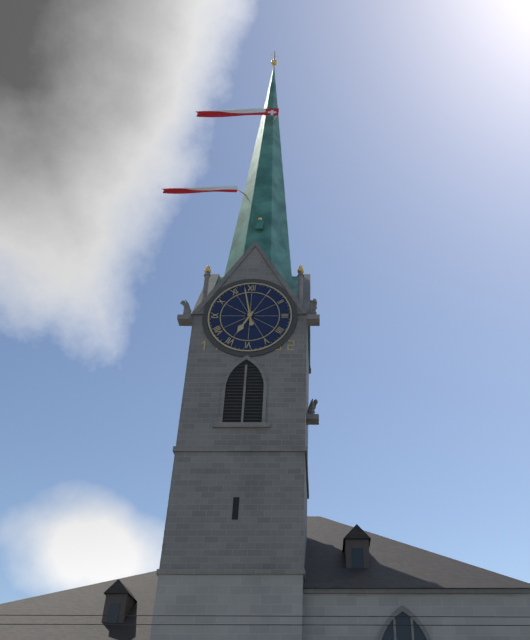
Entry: 6:58
